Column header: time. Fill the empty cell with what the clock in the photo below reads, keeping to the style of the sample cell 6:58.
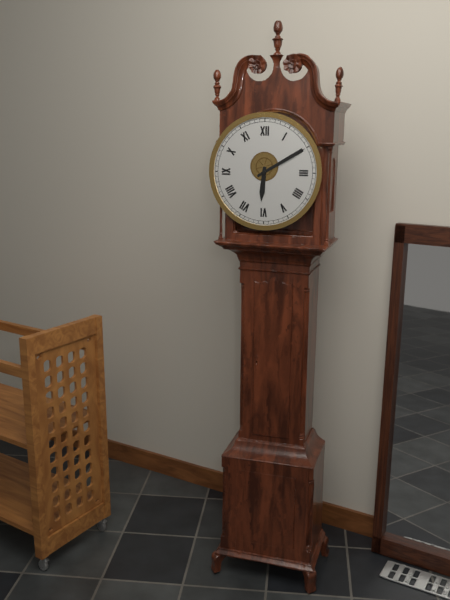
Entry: 6:10
